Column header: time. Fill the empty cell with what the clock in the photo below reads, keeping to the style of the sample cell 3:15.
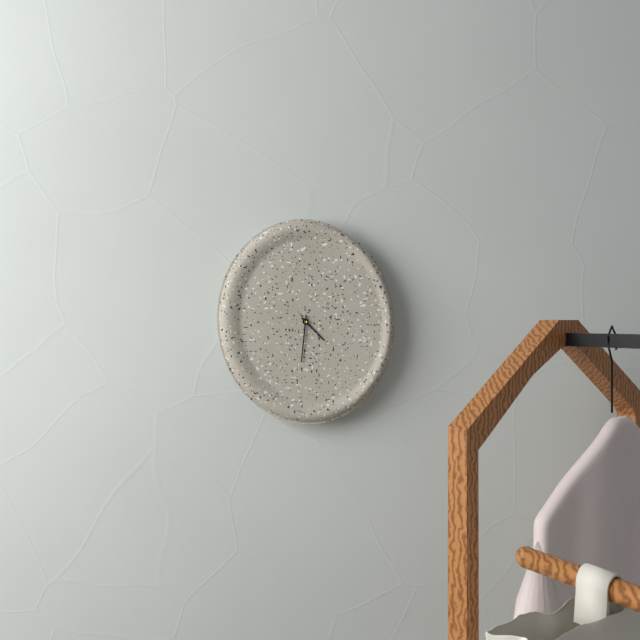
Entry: 4:31
